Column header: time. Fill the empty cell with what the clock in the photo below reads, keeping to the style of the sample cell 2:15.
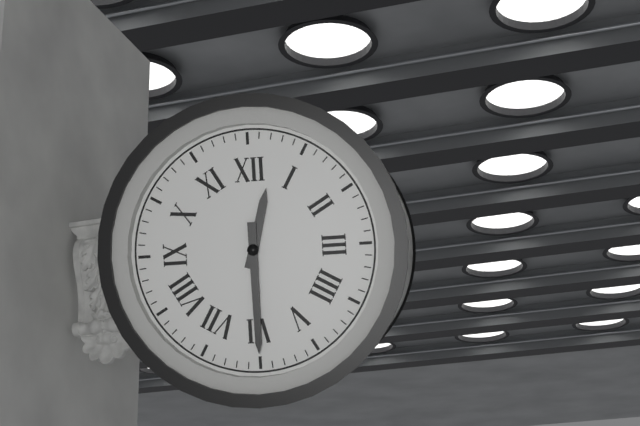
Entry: 12:30
